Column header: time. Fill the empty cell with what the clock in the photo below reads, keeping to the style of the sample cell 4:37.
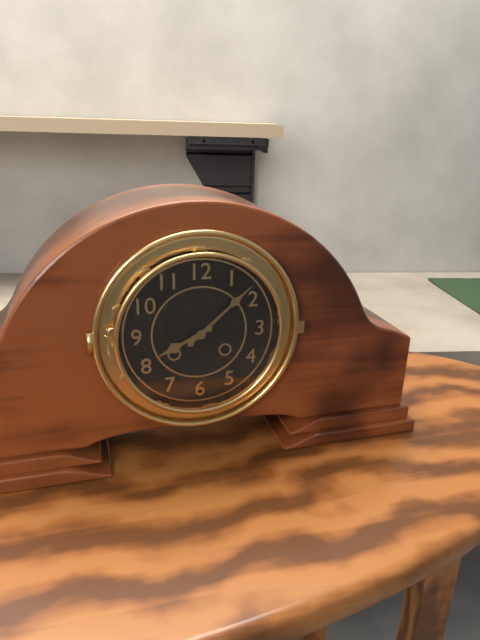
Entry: 8:08
